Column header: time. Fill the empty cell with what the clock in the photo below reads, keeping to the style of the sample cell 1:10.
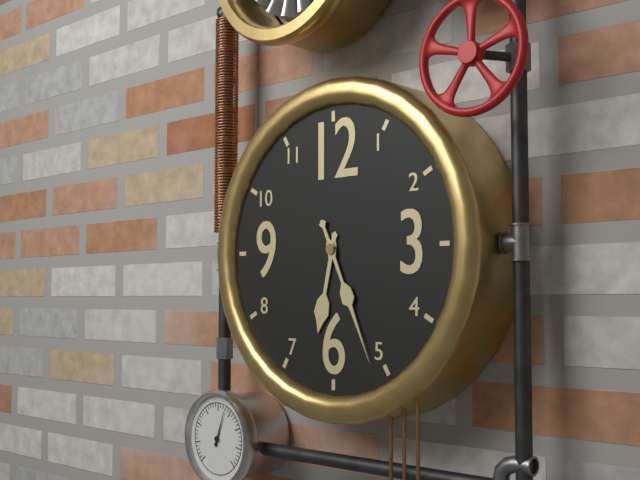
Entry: 6:26
